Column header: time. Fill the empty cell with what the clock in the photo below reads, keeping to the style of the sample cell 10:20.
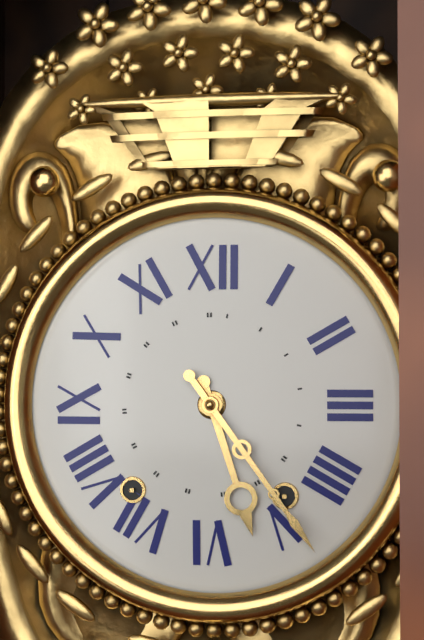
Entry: 5:24
